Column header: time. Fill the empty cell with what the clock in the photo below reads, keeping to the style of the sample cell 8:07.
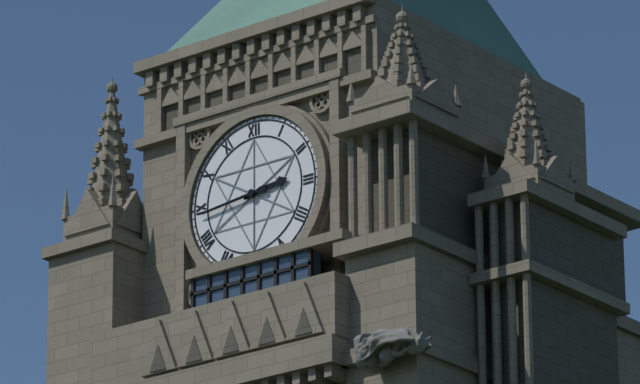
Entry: 2:44
